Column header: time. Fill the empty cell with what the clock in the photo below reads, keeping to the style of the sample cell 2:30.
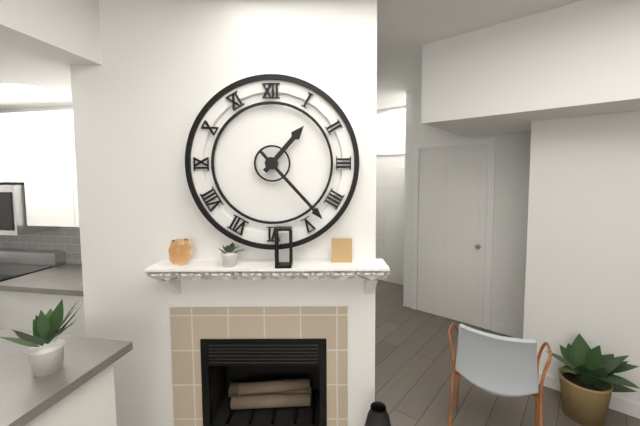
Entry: 1:23
